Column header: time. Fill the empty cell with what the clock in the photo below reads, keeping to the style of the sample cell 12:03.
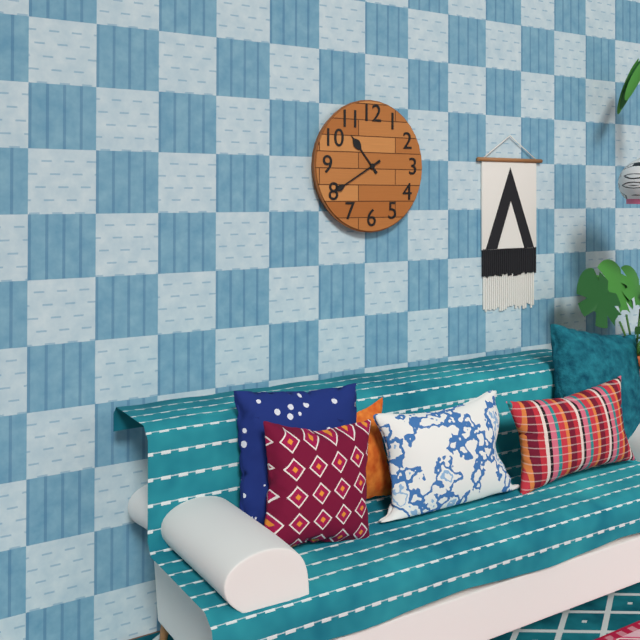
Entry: 10:40
